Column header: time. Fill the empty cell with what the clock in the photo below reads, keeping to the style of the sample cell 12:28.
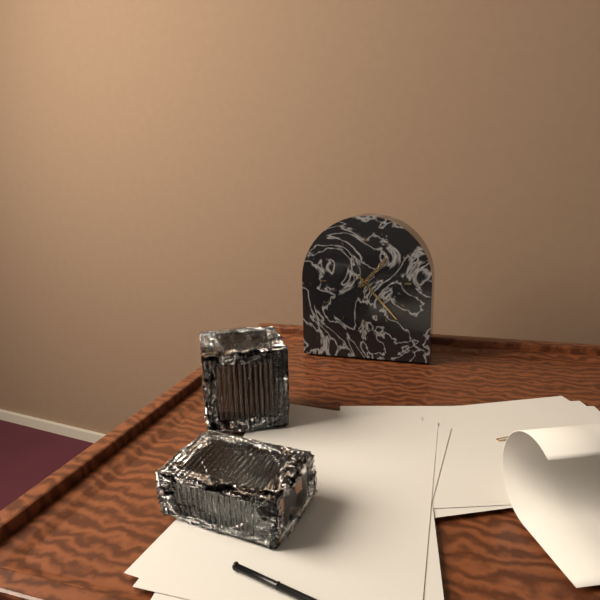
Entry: 1:23
